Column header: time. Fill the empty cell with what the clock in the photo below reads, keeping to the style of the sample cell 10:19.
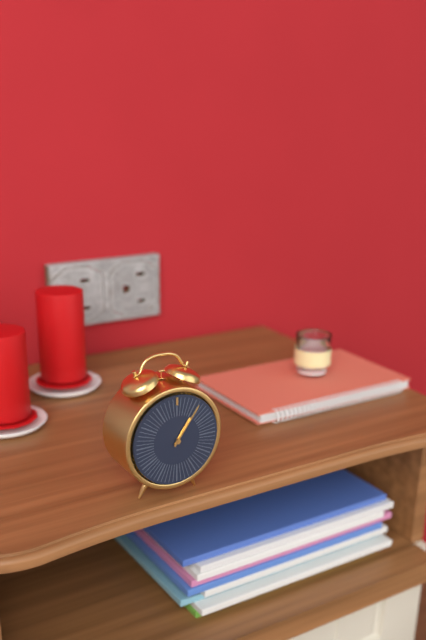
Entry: 1:06
